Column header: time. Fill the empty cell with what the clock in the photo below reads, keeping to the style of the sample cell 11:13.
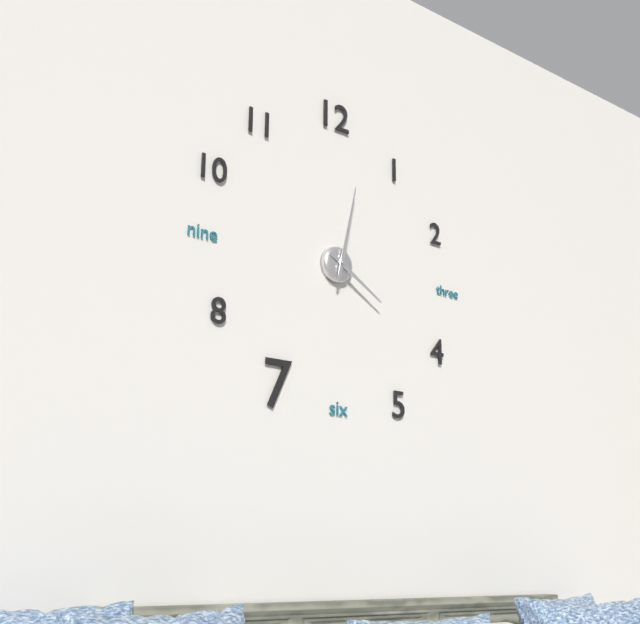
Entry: 4:02
